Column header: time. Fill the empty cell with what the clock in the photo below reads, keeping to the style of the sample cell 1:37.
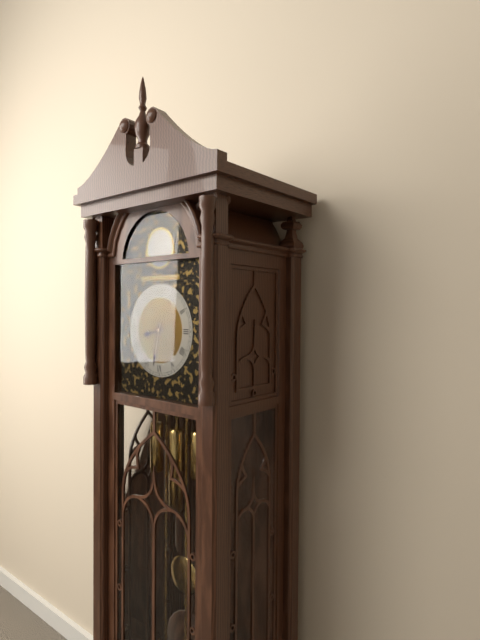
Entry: 8:32
